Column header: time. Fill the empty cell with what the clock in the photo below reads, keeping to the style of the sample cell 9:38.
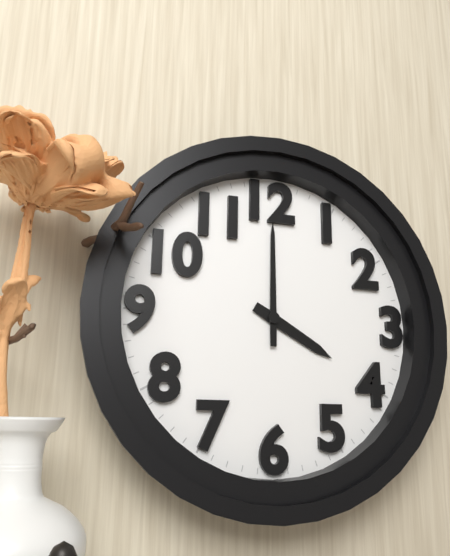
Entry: 4:00
